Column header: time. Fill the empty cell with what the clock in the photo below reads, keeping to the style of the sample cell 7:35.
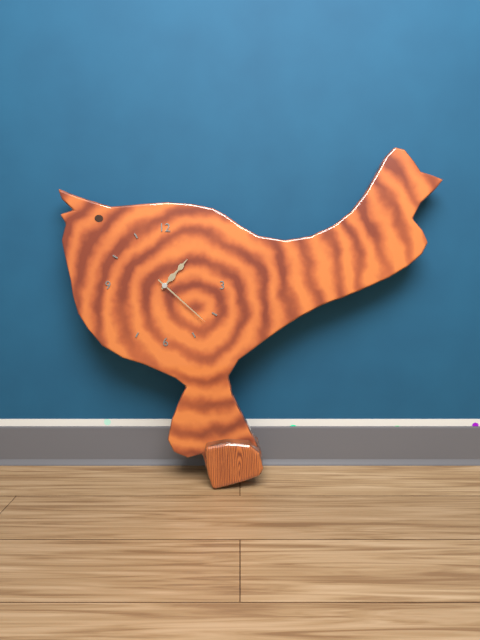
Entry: 1:22
